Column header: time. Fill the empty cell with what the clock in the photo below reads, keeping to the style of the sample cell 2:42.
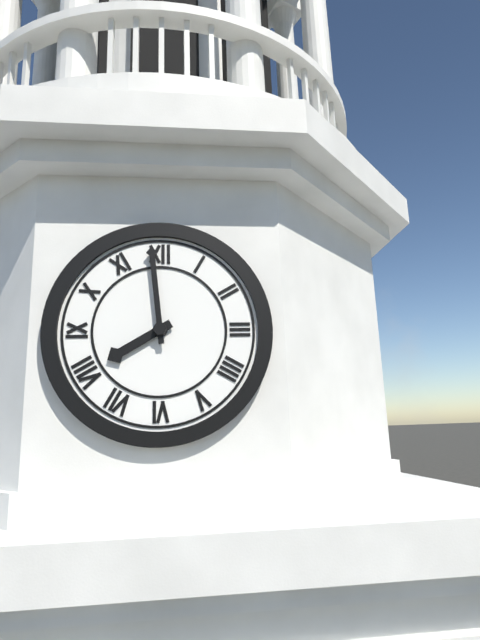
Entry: 7:59
